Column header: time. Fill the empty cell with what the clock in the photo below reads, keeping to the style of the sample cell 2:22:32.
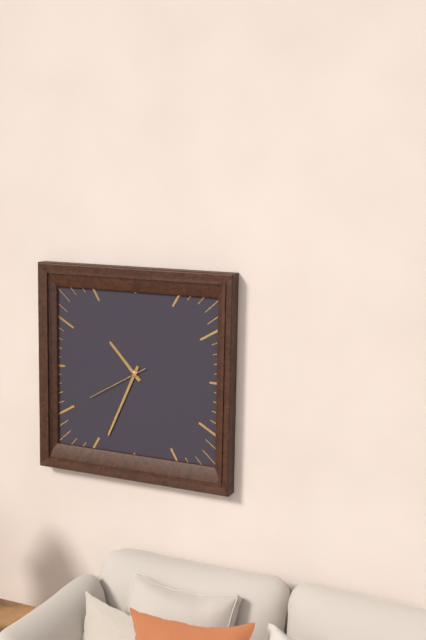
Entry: 10:34:40
